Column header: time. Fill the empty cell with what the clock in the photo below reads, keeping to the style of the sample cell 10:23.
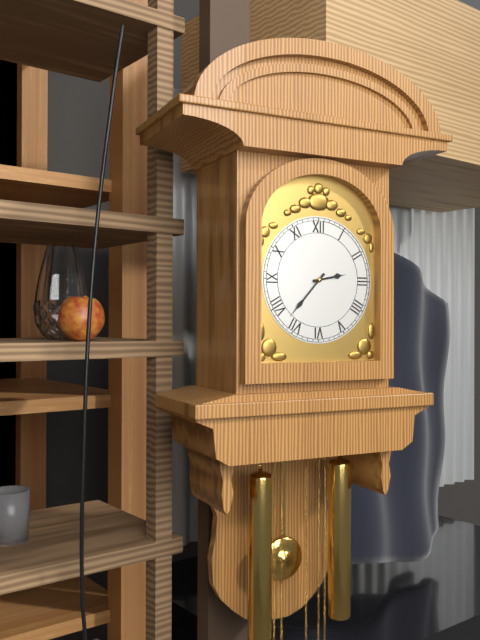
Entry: 2:37
